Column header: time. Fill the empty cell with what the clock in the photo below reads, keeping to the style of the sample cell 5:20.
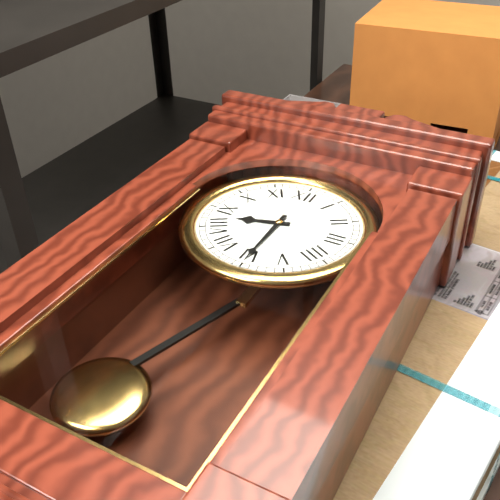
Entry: 8:30
